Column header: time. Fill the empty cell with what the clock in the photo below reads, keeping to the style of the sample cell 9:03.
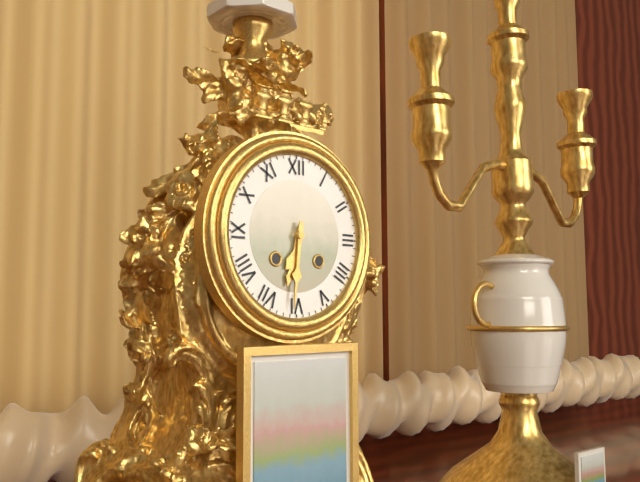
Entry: 6:31
